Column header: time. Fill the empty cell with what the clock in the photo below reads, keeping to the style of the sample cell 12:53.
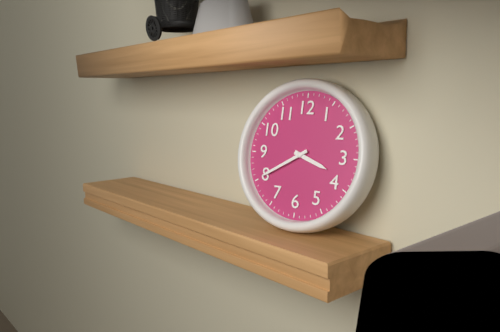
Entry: 3:40
